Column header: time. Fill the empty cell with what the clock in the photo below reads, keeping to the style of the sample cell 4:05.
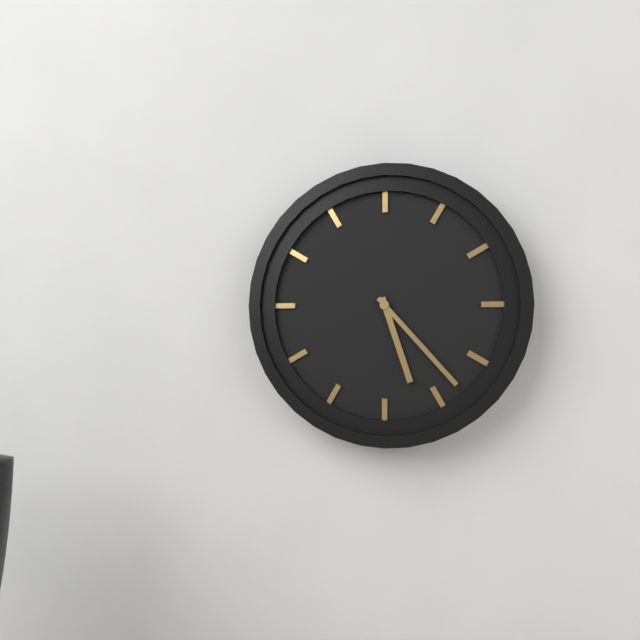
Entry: 5:23
